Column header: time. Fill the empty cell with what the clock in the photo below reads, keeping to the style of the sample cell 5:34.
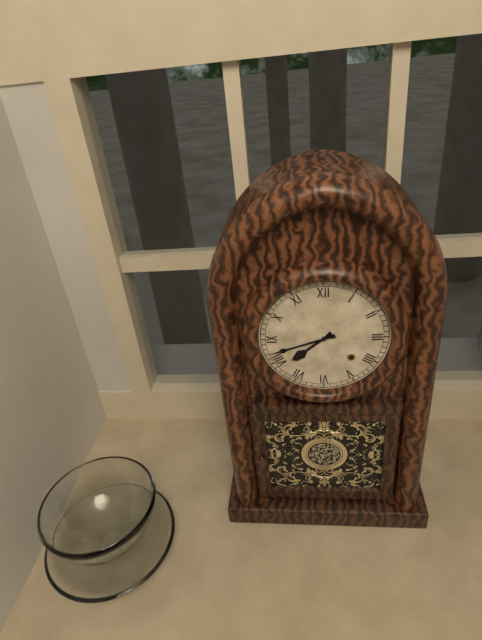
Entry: 7:42
